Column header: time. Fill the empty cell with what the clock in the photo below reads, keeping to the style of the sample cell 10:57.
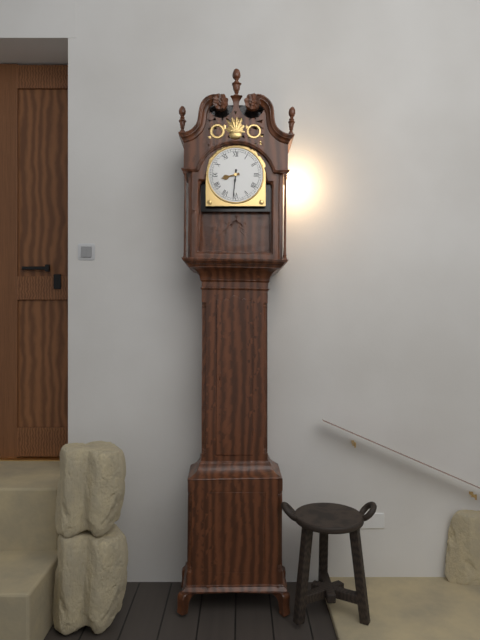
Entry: 8:31
